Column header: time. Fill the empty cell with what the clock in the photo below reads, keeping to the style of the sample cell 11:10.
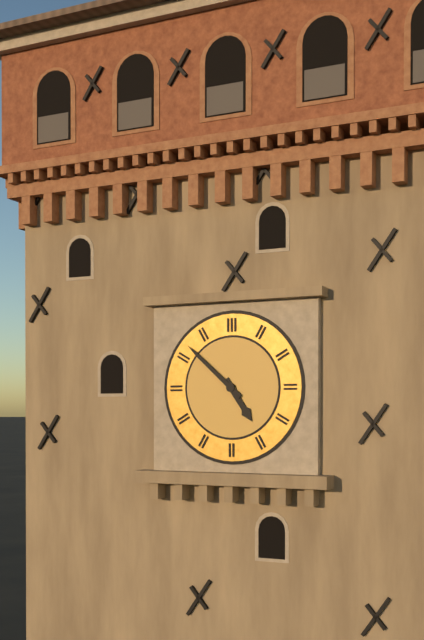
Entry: 4:52
